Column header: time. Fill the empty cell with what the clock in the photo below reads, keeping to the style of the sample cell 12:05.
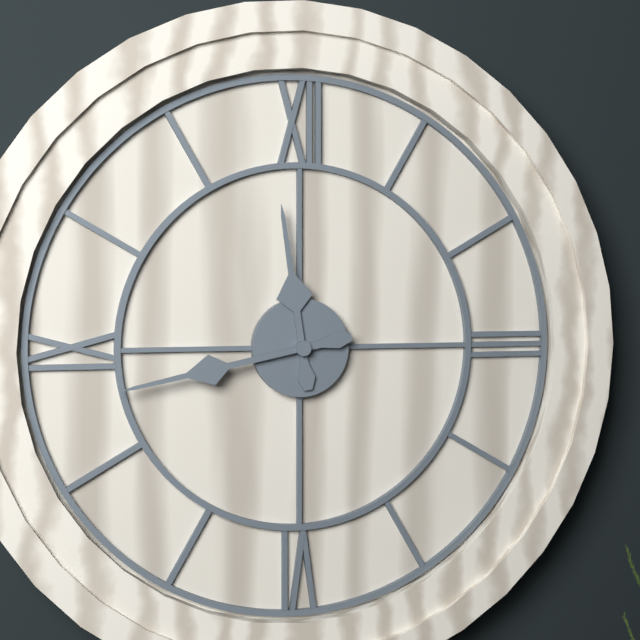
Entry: 11:43
